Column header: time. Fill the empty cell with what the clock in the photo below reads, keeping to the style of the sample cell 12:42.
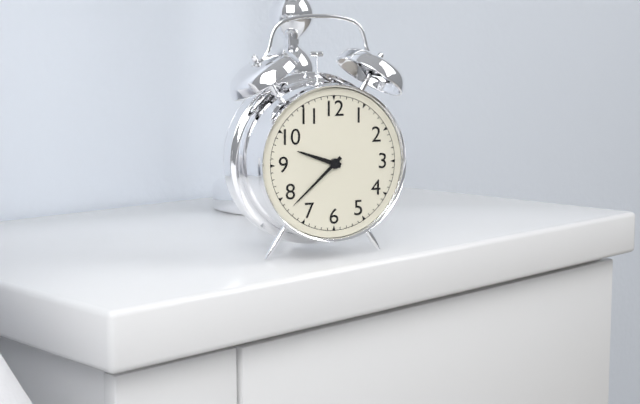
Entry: 9:38
